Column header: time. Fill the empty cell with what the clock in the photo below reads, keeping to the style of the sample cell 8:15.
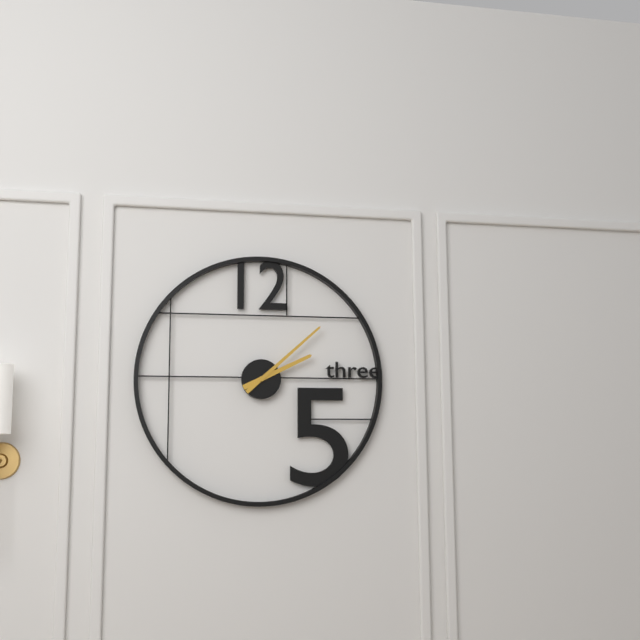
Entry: 2:08
